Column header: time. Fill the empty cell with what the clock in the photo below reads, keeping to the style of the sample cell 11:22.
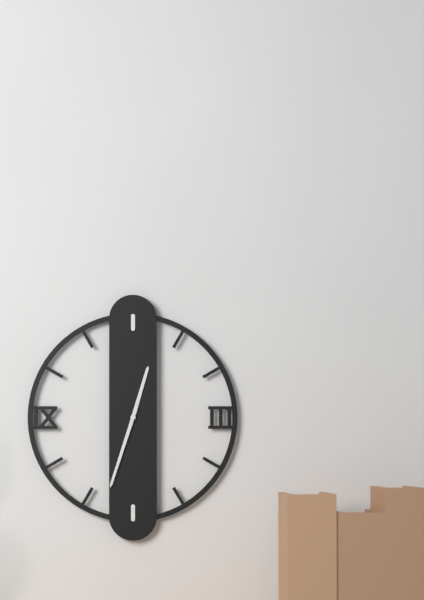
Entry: 12:33
